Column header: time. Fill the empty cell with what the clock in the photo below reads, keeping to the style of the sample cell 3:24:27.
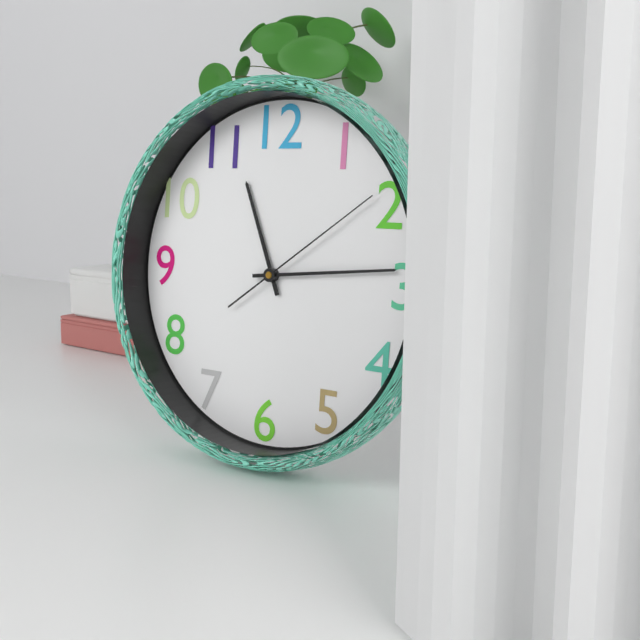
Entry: 11:14:09
